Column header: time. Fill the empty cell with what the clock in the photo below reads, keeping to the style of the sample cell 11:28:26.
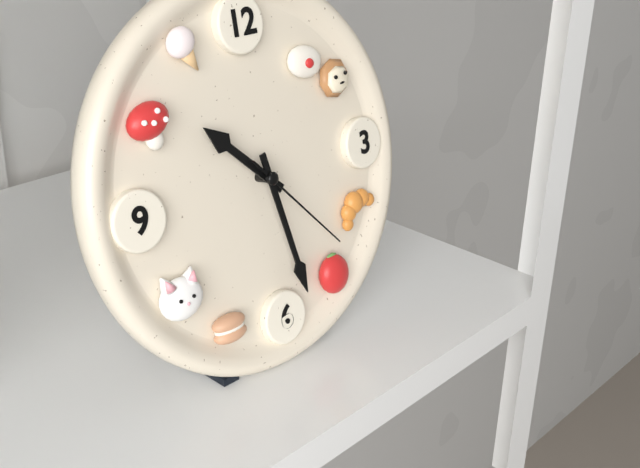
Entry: 10:28:23
